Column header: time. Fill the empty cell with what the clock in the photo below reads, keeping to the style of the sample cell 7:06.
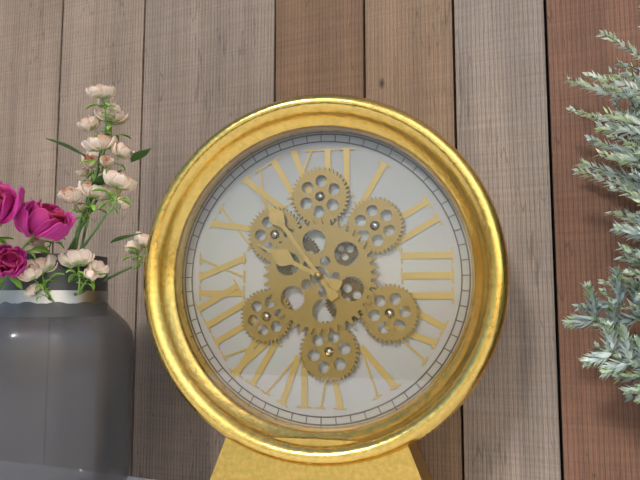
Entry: 9:54
